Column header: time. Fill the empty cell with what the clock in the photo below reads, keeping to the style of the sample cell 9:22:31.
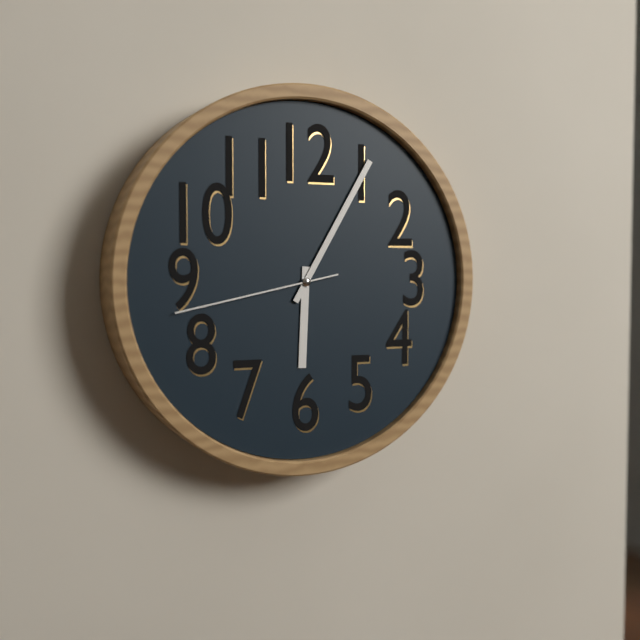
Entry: 6:05:43
